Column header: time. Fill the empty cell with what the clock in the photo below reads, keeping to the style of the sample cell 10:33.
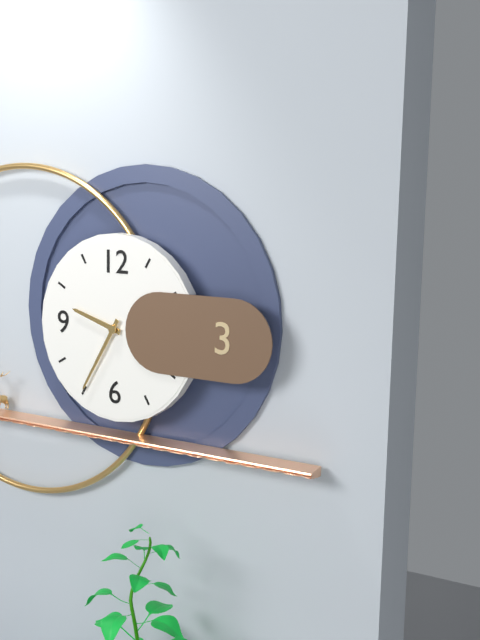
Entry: 9:35
